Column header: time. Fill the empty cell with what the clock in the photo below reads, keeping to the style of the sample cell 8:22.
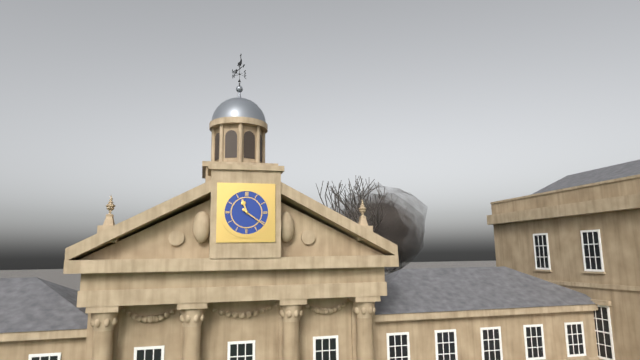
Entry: 11:21
